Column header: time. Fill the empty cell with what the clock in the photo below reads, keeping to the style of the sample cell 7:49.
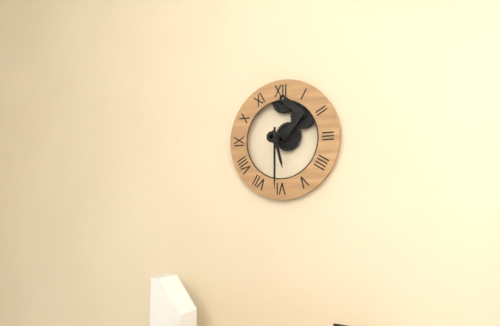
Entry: 5:30
